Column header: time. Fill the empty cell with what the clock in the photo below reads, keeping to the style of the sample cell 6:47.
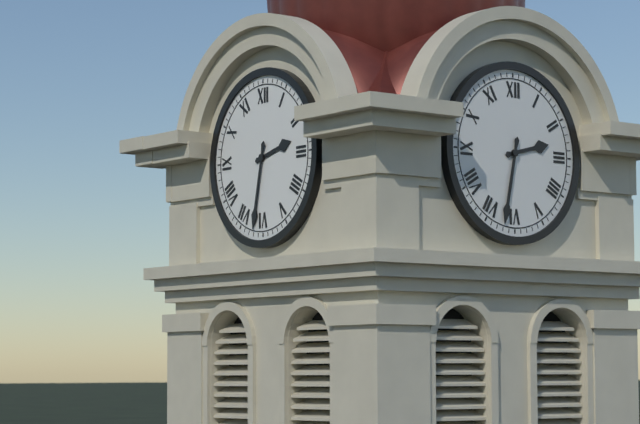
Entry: 2:32
